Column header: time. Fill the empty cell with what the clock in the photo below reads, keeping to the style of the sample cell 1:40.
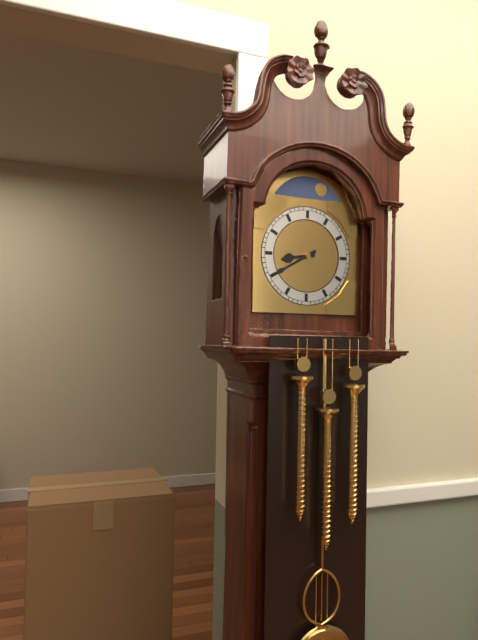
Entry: 8:40
